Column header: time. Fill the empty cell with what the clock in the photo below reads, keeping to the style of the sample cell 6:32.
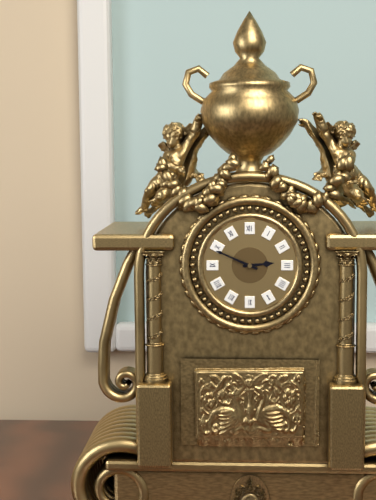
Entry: 2:49
